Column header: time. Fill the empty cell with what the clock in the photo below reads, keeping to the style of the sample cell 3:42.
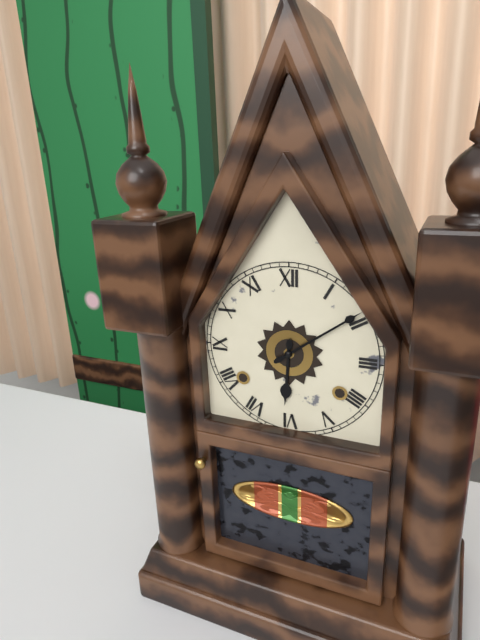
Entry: 6:09
